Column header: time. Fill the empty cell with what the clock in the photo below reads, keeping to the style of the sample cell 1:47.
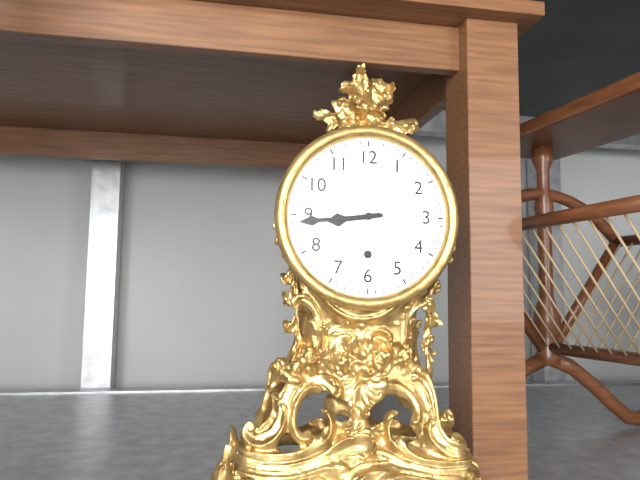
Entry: 8:44
